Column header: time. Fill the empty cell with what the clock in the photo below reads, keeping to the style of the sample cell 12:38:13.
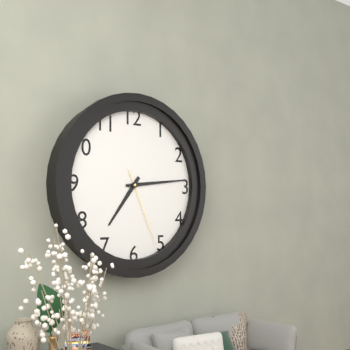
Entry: 7:14:26
